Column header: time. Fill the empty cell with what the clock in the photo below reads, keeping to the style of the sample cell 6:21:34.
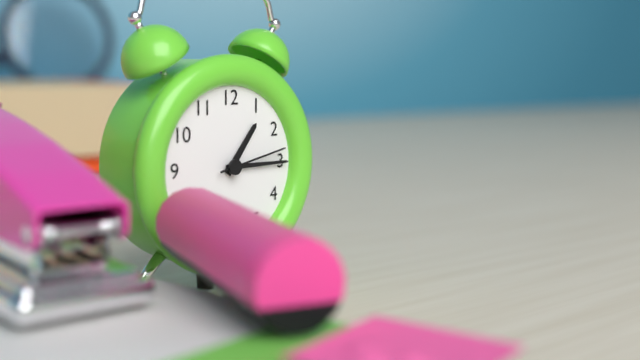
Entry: 1:15:13
